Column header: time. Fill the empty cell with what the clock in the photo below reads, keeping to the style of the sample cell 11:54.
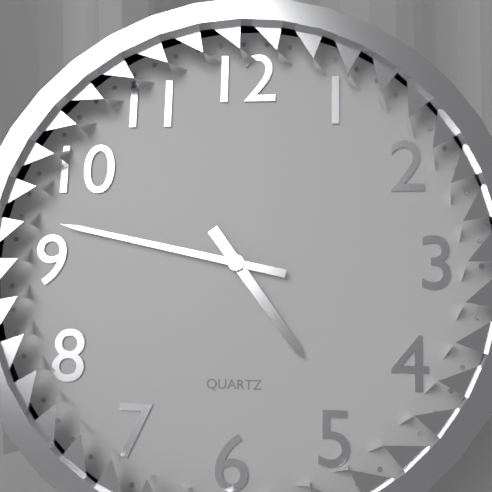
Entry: 4:47
